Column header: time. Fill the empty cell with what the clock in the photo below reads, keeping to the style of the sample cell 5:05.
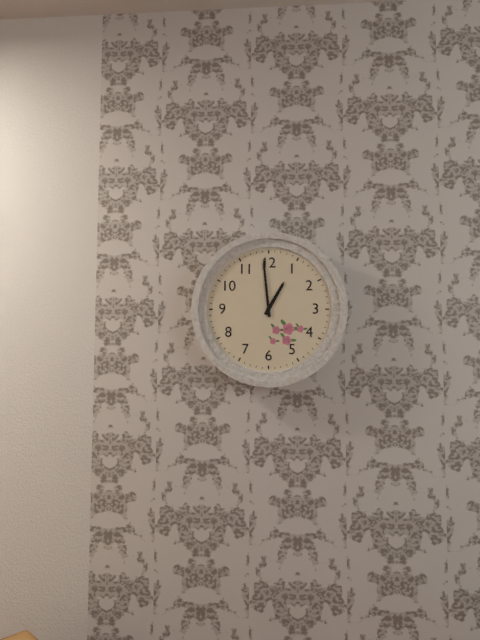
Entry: 12:59
